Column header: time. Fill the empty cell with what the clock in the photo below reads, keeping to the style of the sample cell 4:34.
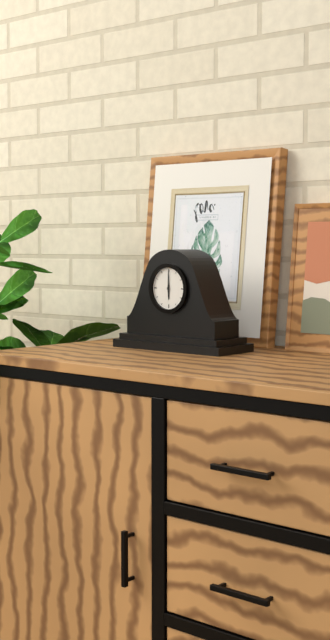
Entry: 6:00
